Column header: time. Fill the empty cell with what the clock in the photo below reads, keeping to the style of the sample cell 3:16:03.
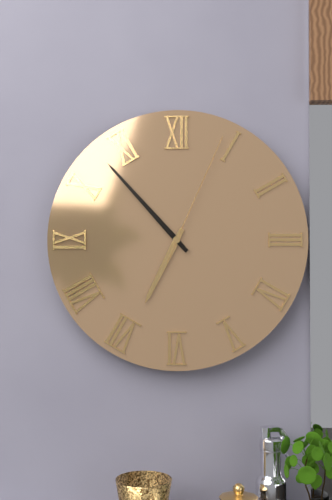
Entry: 6:53:04
